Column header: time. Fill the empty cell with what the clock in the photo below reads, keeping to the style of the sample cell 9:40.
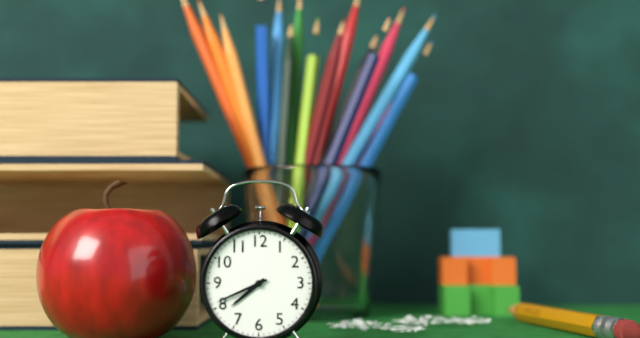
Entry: 7:41
